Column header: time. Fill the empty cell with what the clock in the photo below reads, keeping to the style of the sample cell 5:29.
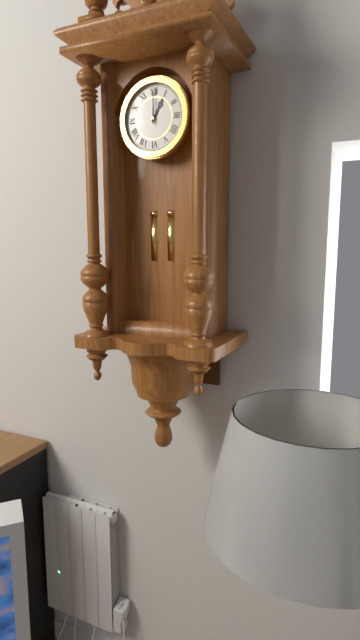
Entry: 1:00
